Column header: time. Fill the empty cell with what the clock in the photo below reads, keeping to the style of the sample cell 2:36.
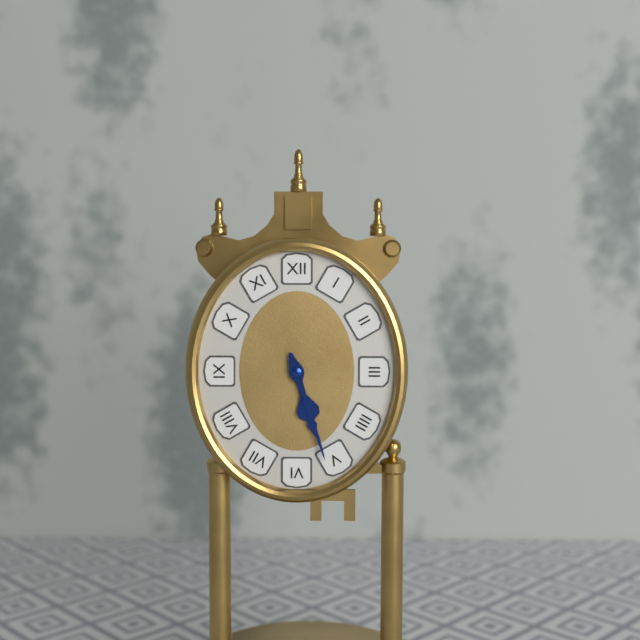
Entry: 5:27
